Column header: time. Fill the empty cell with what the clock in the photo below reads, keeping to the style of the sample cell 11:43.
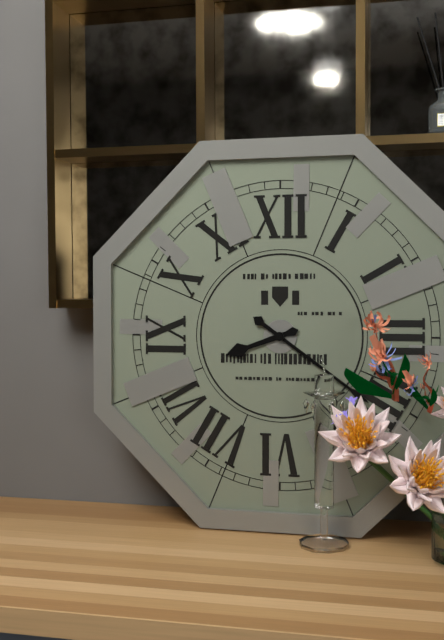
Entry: 8:21
